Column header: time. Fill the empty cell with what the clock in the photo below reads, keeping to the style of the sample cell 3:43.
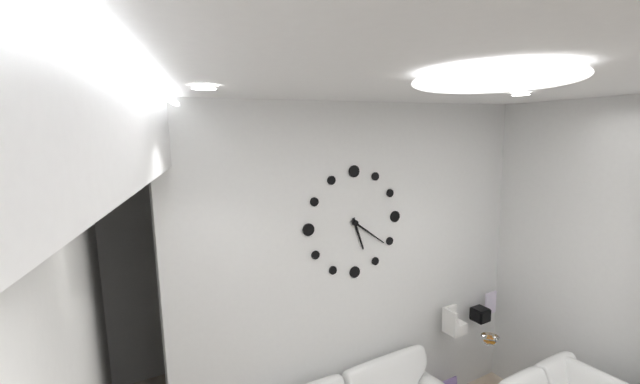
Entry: 5:21
